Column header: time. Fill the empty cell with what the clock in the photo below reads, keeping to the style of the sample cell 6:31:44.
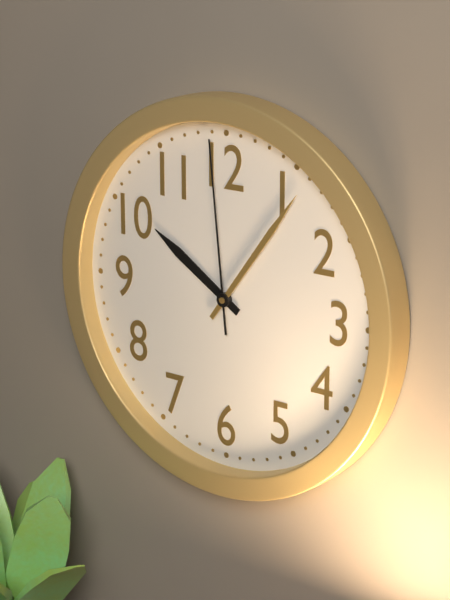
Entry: 10:06:59
